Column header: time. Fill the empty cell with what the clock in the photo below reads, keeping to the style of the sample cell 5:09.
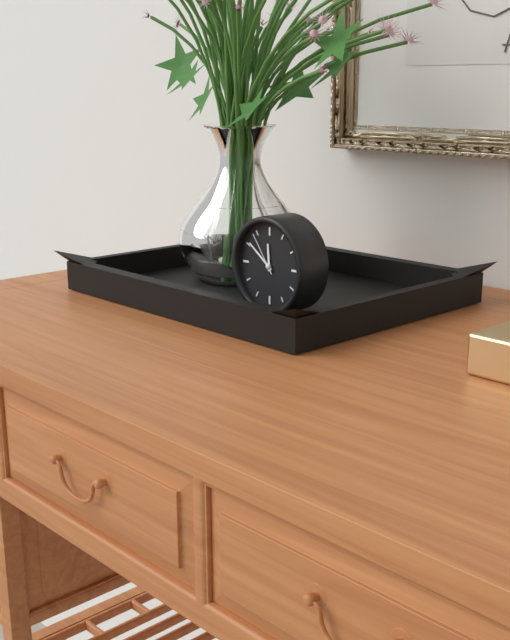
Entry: 11:51
